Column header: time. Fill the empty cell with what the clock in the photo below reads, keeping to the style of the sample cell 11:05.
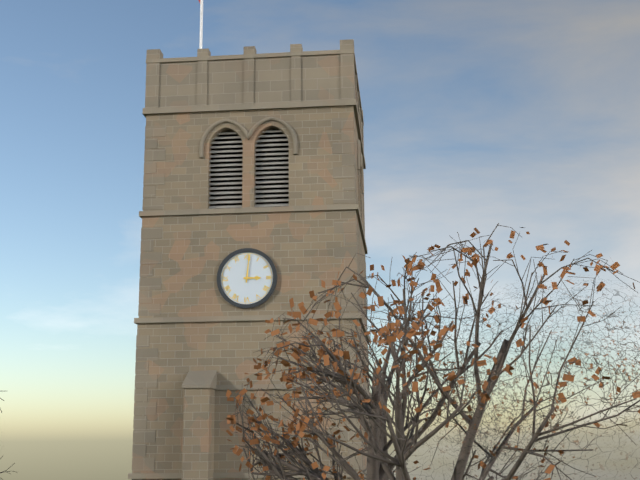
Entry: 3:01
